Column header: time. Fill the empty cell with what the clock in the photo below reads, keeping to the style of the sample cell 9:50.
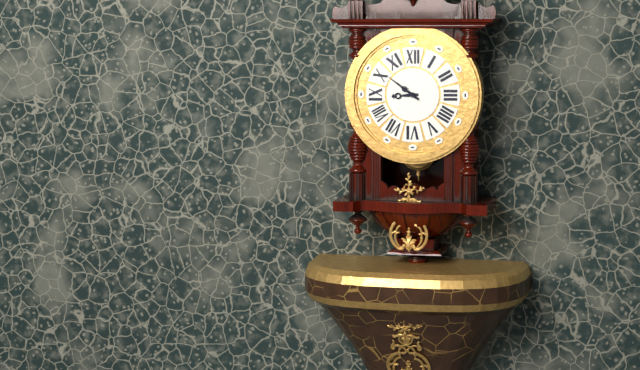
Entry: 8:51
